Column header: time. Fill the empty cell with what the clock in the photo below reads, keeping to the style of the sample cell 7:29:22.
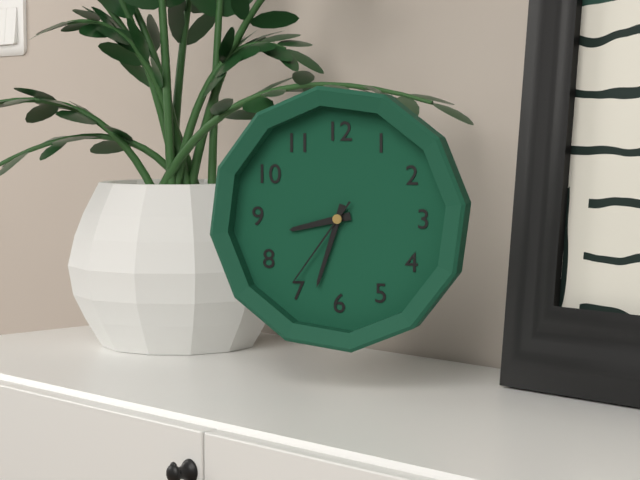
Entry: 8:33:36
